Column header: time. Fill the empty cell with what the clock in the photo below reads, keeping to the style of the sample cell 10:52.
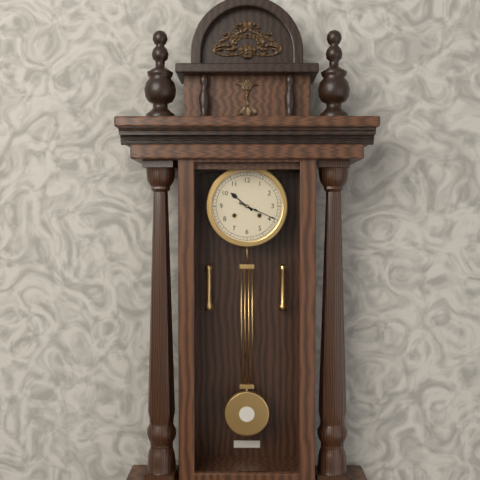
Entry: 10:19
